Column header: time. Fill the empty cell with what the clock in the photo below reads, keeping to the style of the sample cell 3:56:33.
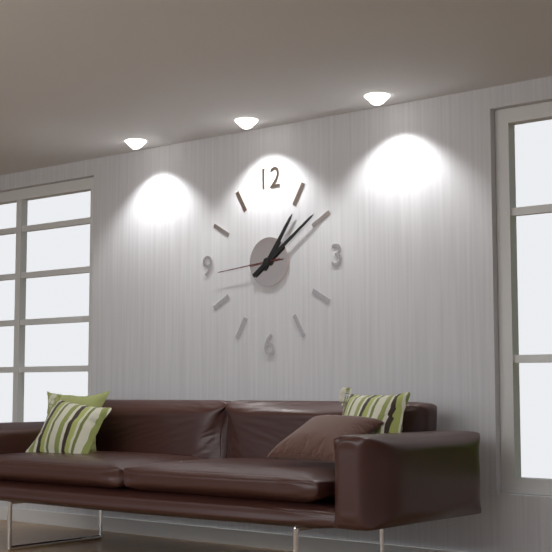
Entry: 1:09:44
